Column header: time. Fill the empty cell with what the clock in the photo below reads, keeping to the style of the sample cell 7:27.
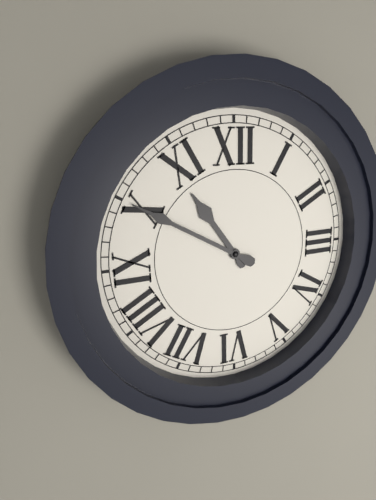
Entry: 10:50
